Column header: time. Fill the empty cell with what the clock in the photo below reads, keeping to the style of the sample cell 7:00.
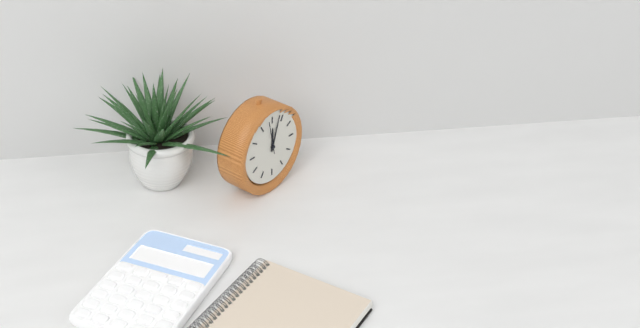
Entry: 12:03
